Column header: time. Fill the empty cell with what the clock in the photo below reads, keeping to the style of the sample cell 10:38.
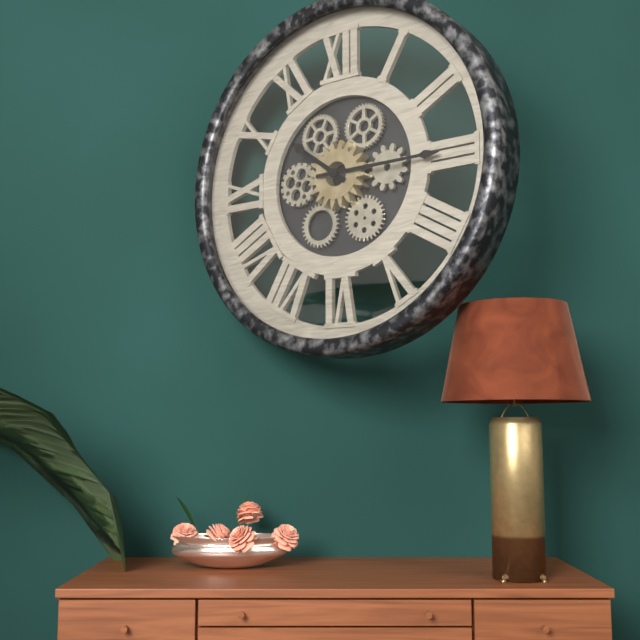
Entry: 10:15
